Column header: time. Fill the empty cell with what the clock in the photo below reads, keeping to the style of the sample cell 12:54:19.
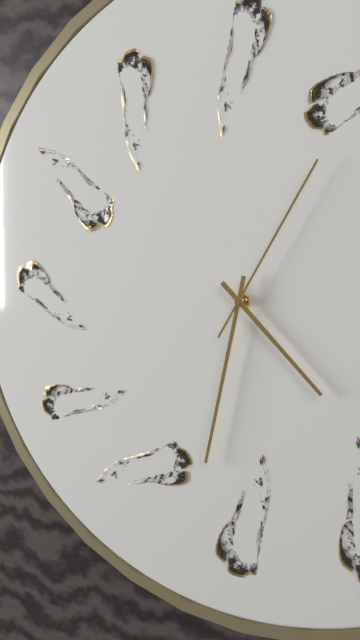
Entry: 4:32:05
